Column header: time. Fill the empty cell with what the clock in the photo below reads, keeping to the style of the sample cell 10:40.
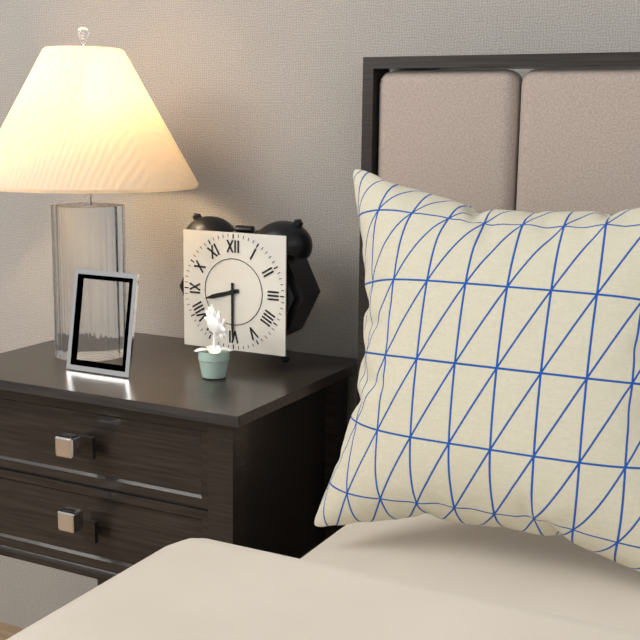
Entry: 8:30
